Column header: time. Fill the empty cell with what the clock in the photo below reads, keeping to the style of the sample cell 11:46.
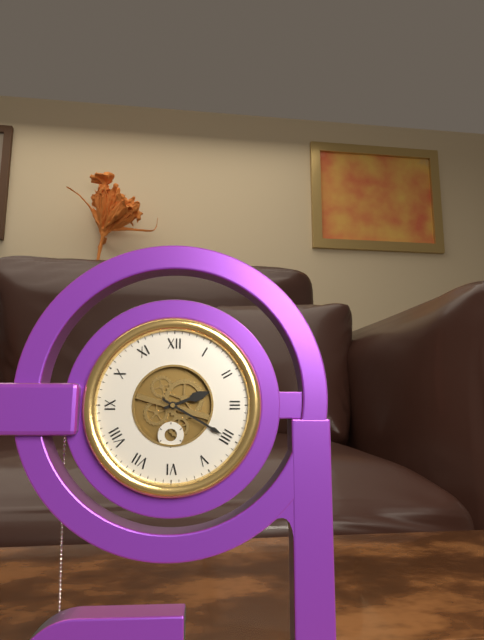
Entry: 2:20
